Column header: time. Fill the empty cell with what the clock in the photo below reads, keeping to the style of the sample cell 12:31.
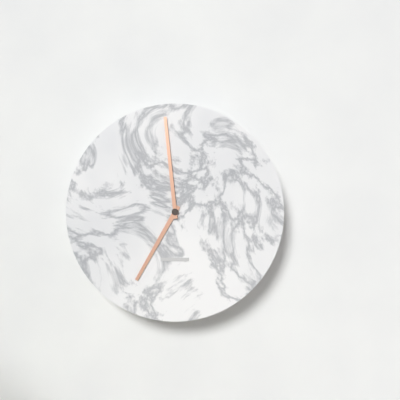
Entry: 6:59
